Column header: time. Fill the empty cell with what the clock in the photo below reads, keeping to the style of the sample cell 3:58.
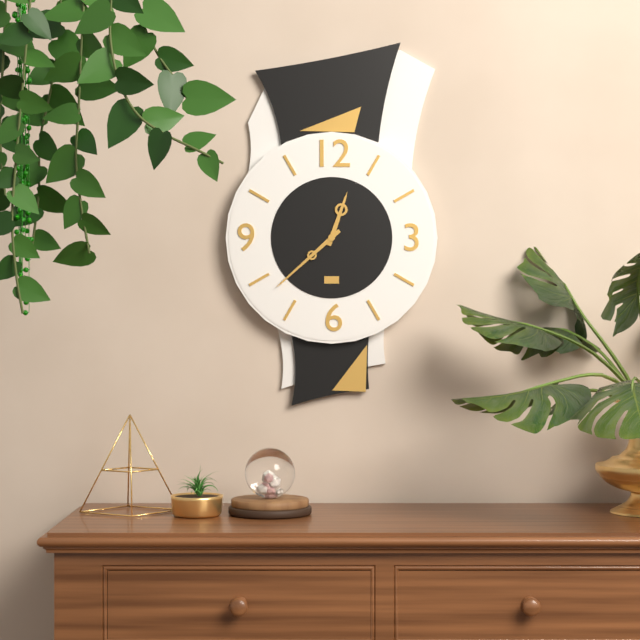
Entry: 12:38
